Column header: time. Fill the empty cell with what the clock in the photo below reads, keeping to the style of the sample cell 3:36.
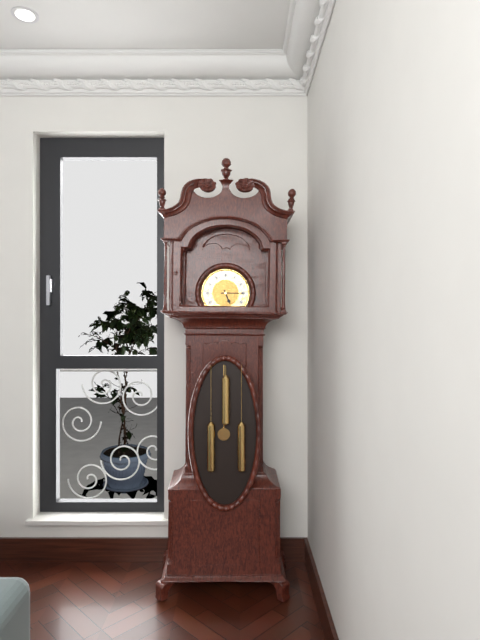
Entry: 5:15
